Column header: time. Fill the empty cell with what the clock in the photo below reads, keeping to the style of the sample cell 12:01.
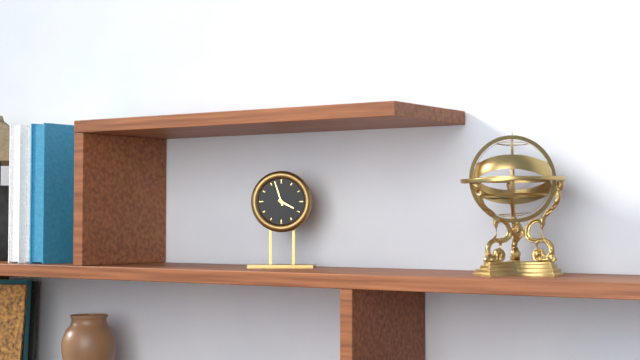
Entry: 3:57
